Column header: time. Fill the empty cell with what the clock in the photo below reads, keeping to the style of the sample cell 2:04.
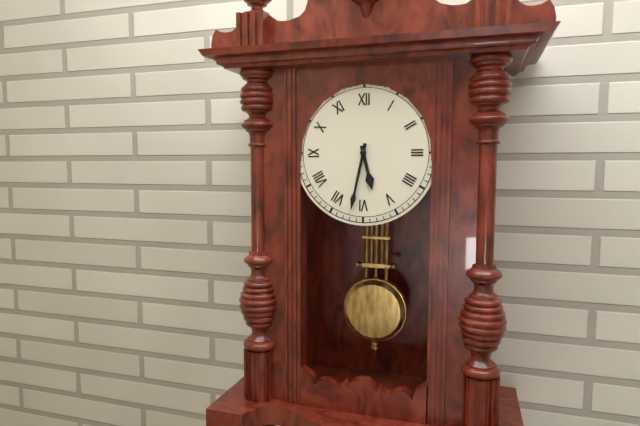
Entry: 5:32
